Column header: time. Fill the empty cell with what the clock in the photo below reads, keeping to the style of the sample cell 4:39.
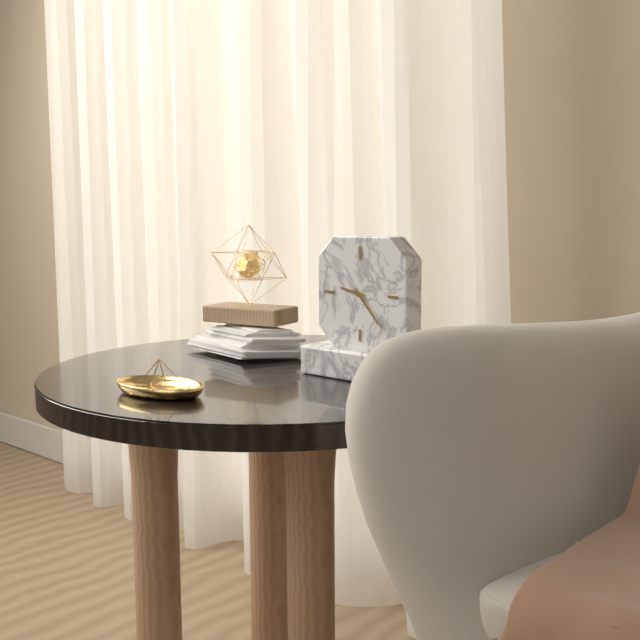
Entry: 9:23
